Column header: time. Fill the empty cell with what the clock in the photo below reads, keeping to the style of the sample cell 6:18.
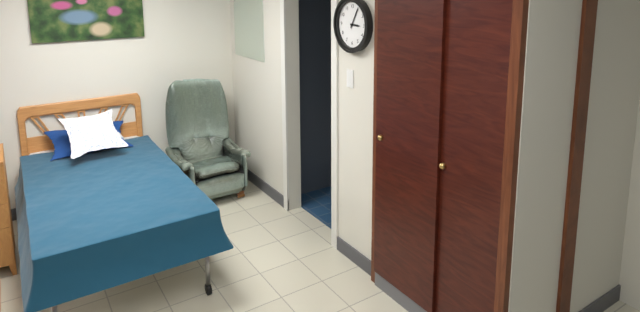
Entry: 3:05
